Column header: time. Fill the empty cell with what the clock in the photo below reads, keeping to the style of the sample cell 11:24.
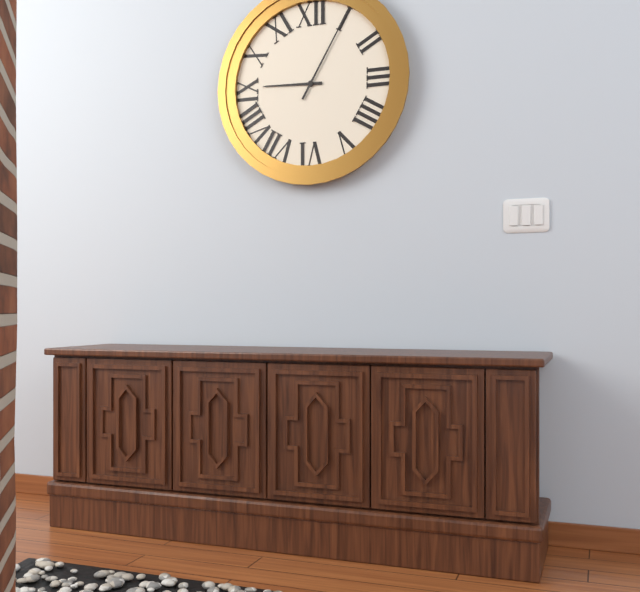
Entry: 9:05
